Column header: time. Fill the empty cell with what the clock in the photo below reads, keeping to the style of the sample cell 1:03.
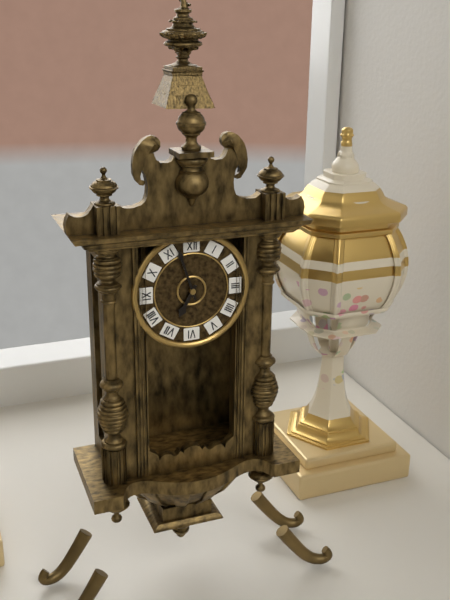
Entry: 6:57
